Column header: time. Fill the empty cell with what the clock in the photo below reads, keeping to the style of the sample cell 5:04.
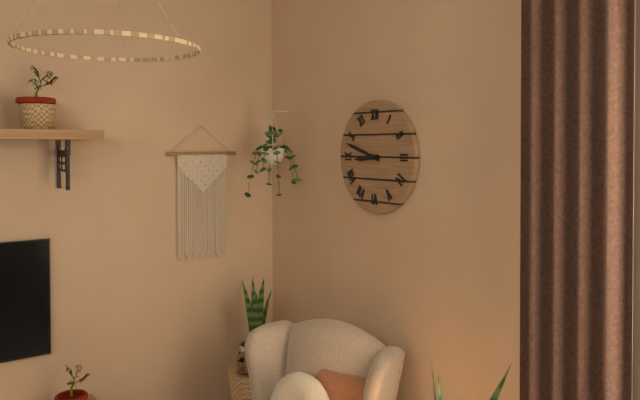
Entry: 8:48
